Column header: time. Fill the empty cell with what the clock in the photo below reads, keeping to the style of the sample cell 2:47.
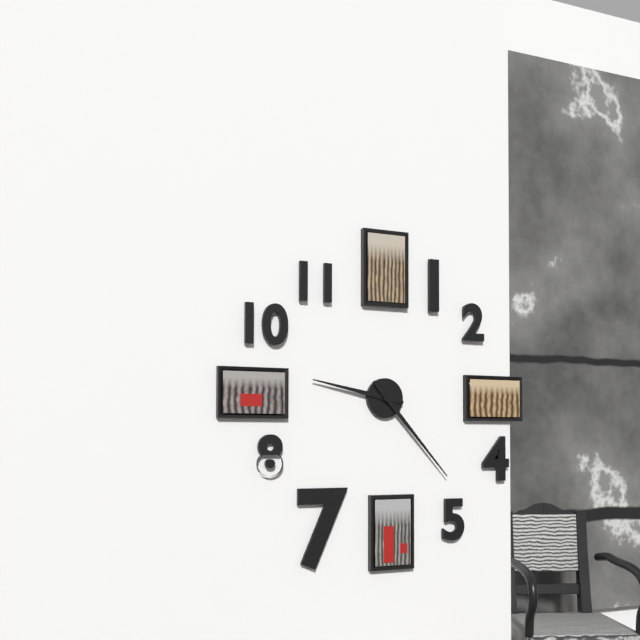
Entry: 9:23
